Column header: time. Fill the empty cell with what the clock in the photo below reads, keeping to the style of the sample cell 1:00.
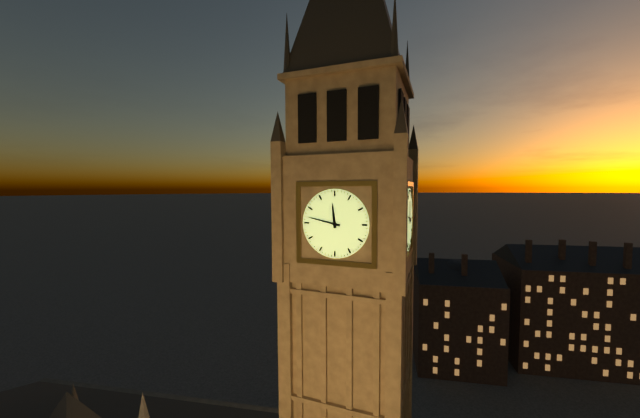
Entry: 11:47
